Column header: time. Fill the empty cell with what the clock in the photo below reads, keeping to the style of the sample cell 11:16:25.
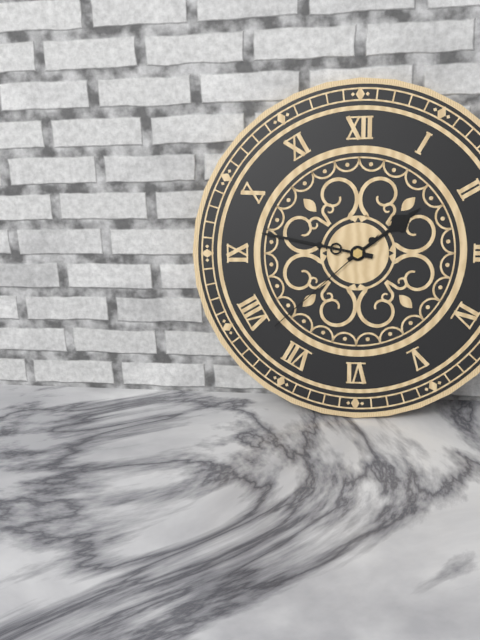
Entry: 1:47:38
